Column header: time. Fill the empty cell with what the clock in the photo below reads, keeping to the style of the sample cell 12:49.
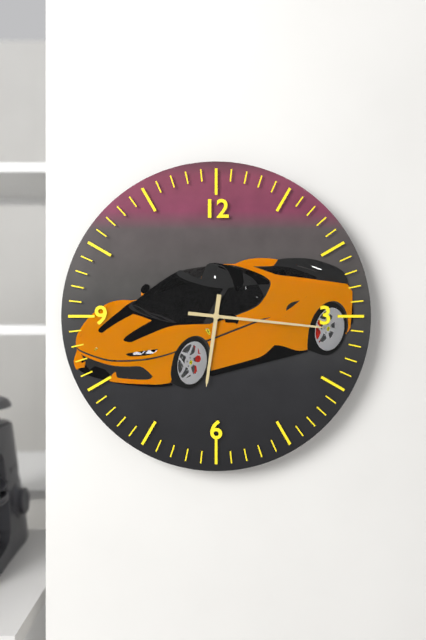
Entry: 6:16
